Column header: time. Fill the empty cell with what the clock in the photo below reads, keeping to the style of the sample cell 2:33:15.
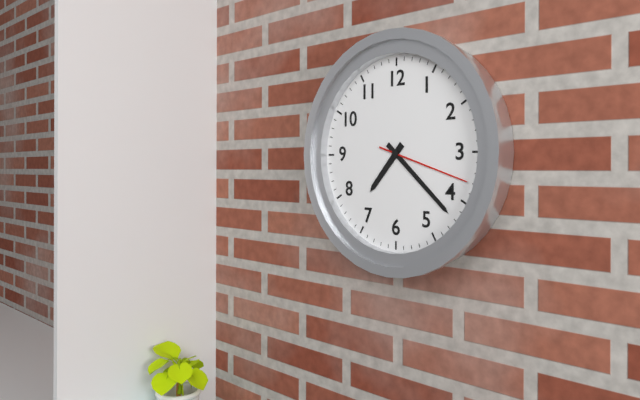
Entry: 7:22:18
